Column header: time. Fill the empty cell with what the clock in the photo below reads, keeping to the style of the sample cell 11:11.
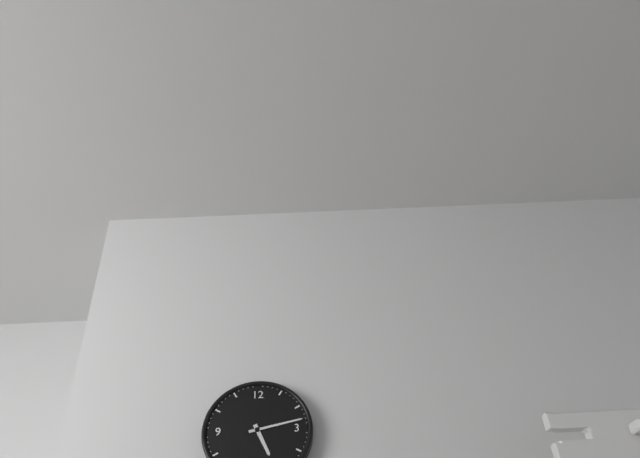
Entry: 5:13
